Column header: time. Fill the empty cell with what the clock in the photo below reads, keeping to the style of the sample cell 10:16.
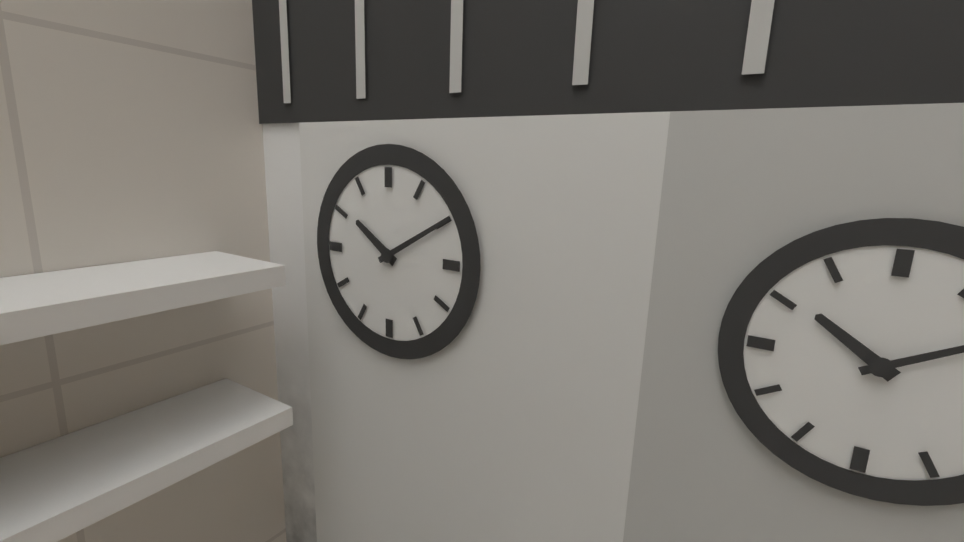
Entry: 10:10
